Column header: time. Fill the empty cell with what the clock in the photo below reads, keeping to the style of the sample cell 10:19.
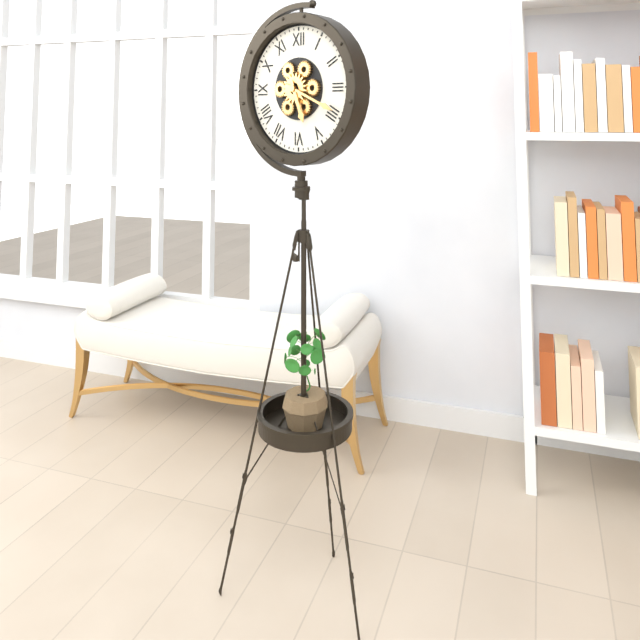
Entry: 5:19
